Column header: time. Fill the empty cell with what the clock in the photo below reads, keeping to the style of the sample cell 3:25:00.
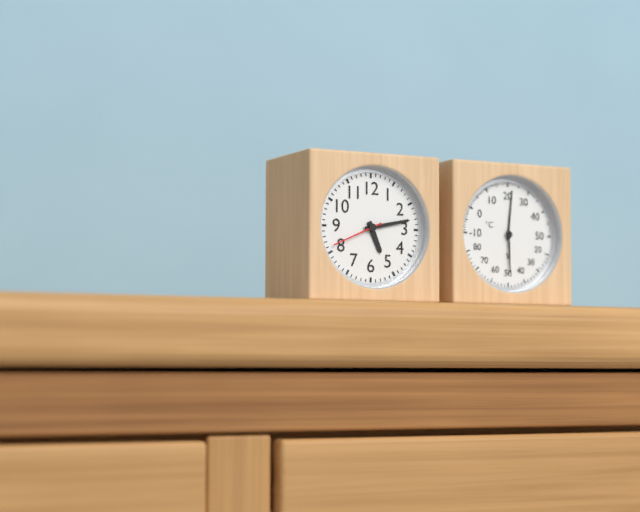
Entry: 5:13:41
